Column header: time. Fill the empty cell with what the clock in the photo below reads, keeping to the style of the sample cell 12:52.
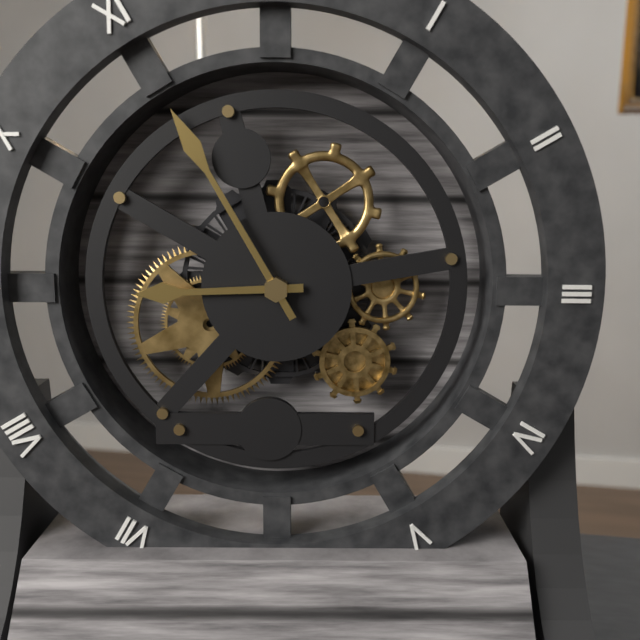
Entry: 8:55
